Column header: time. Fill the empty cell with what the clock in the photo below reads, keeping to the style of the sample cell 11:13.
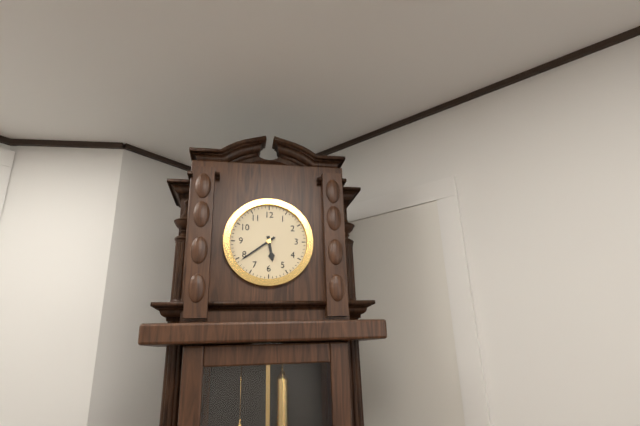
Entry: 5:39
